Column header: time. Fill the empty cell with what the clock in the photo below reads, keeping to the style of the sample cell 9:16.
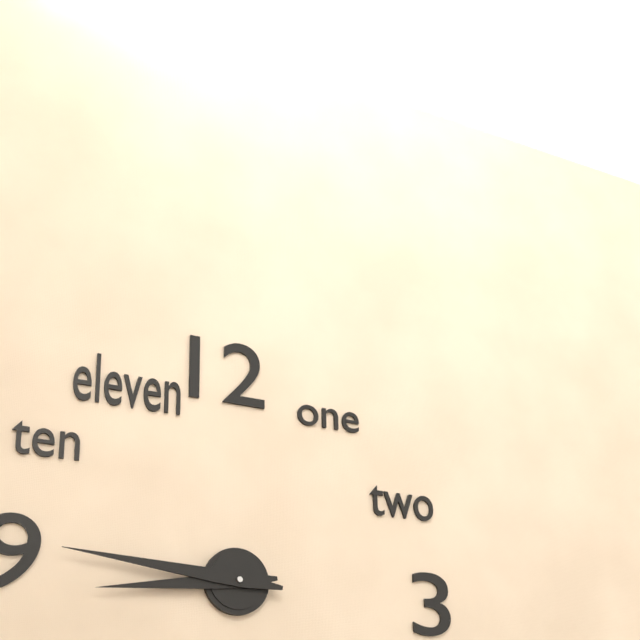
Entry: 8:46
